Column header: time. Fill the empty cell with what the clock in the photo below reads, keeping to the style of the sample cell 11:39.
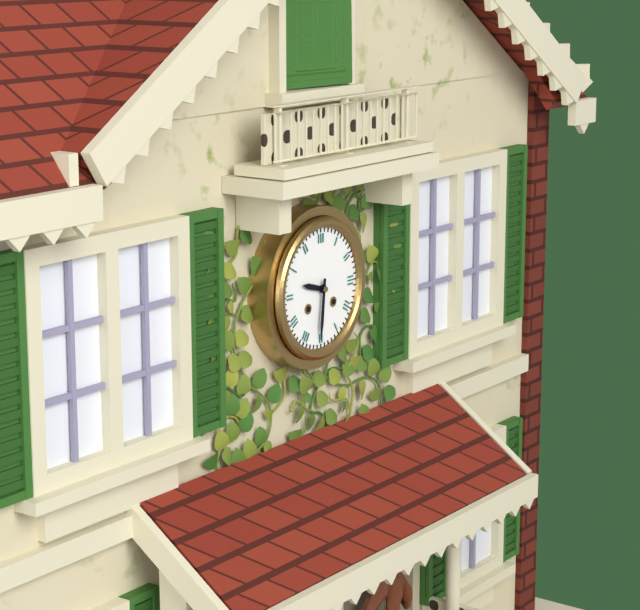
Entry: 9:31
